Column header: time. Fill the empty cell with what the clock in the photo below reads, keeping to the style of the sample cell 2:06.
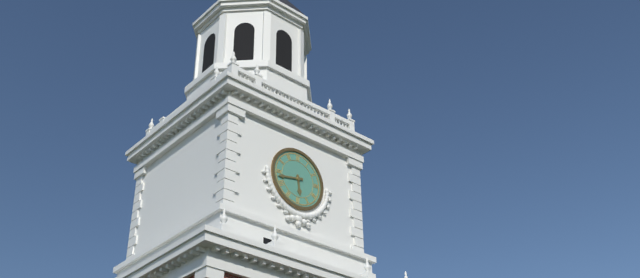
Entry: 5:43
